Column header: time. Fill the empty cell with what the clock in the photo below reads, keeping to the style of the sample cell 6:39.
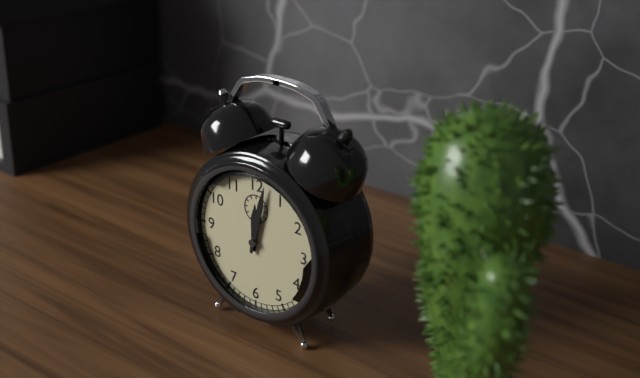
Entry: 12:02
